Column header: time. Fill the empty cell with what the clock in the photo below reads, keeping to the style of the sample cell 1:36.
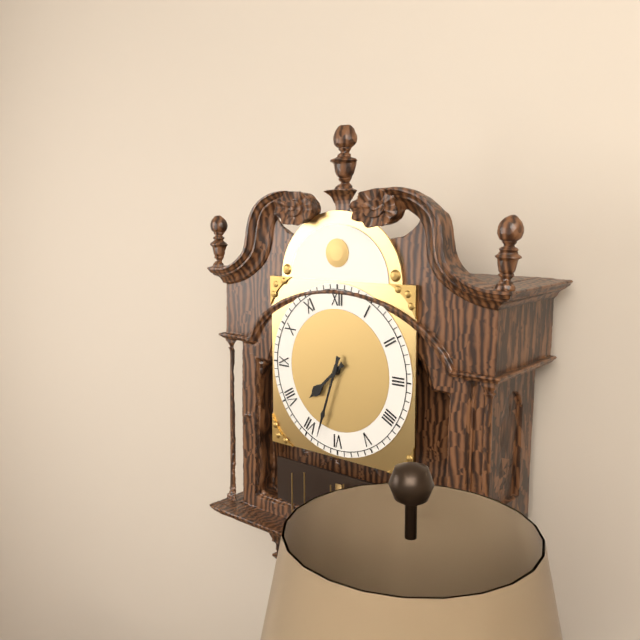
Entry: 7:33
